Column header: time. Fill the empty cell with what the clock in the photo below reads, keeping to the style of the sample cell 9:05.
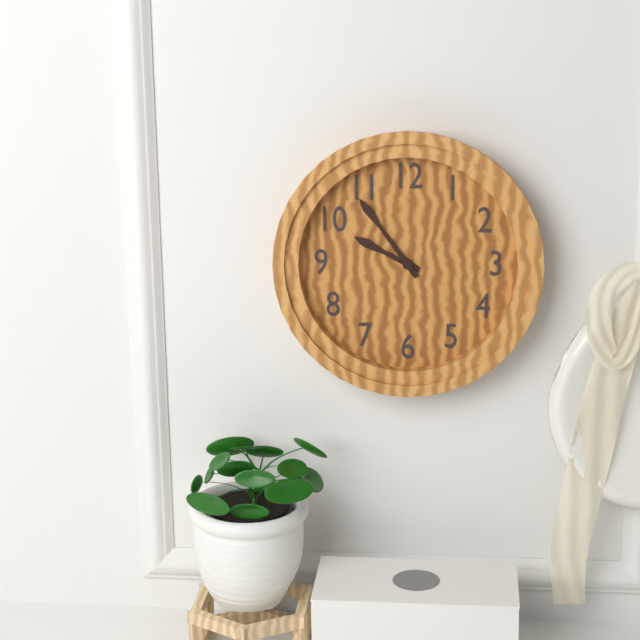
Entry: 9:54
